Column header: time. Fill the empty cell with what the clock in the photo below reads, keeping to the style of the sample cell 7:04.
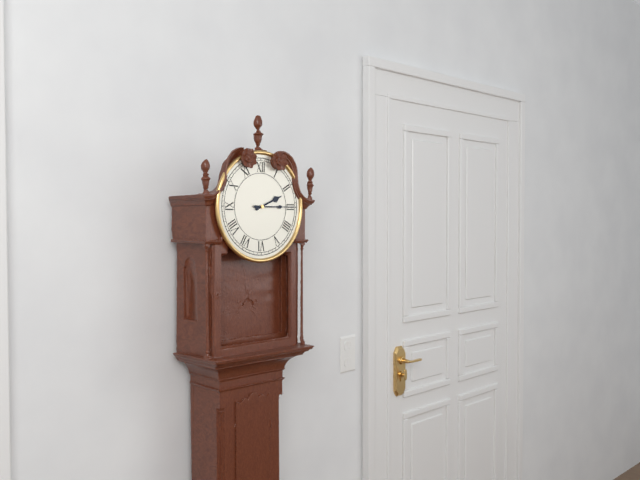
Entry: 2:15
